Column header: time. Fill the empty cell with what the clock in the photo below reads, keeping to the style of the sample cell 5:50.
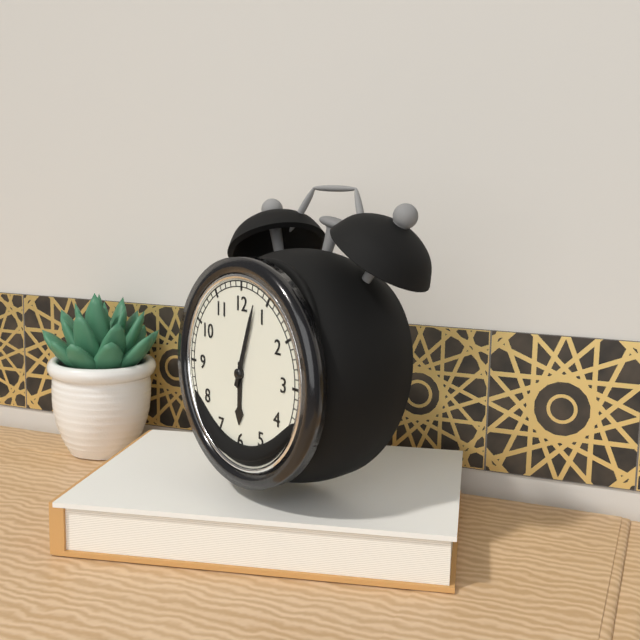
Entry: 6:03
